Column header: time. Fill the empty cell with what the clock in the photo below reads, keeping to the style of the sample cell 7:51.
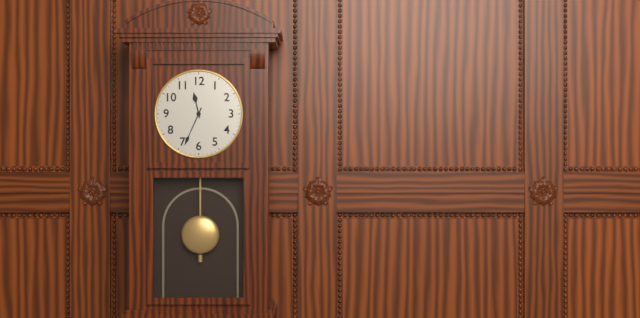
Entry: 11:34
